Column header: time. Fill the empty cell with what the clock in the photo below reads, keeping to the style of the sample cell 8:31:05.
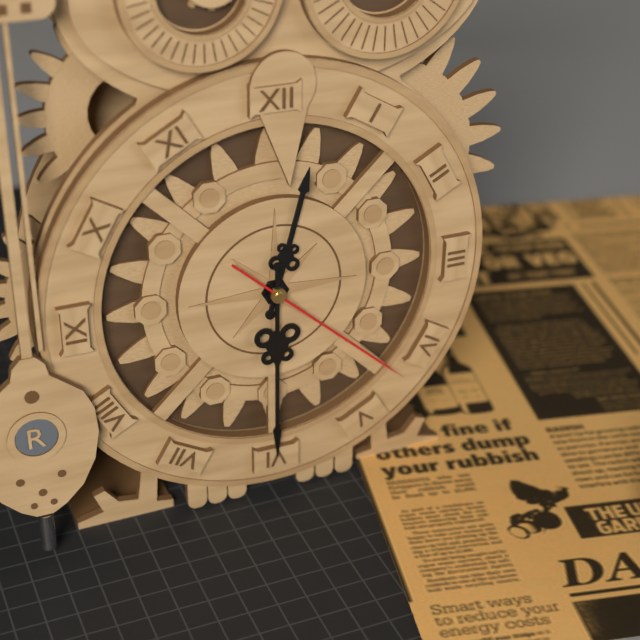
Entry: 12:30:22
